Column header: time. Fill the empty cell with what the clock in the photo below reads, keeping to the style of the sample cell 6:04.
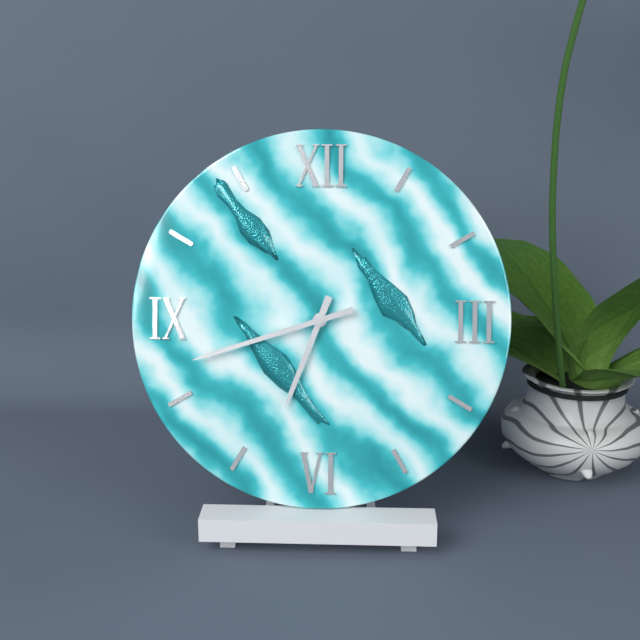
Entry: 6:42
